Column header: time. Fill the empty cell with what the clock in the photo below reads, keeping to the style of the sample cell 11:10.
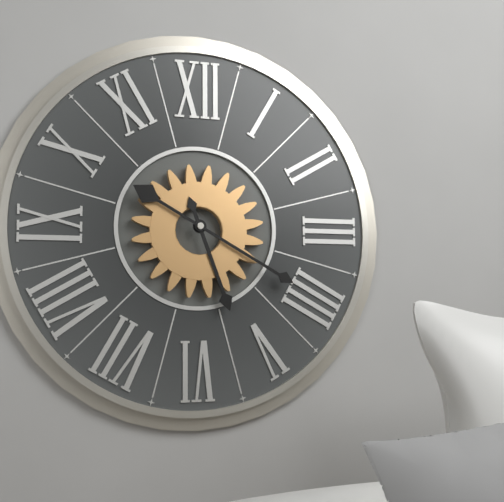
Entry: 5:20
